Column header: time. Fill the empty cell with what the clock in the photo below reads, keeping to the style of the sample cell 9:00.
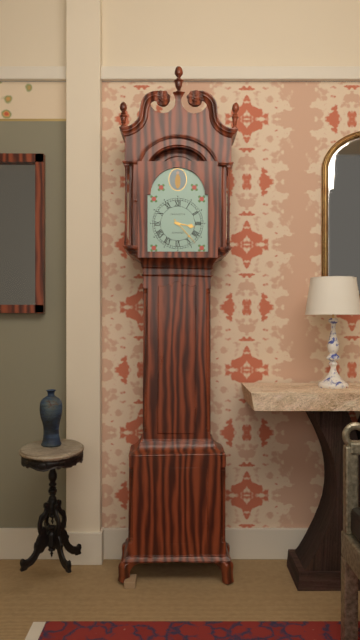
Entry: 3:23
